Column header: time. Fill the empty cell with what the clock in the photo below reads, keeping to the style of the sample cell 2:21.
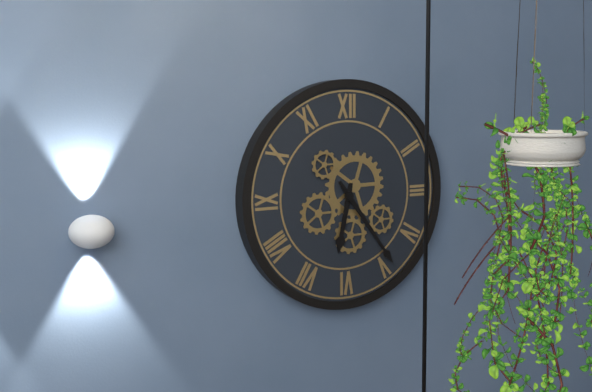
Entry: 6:24
